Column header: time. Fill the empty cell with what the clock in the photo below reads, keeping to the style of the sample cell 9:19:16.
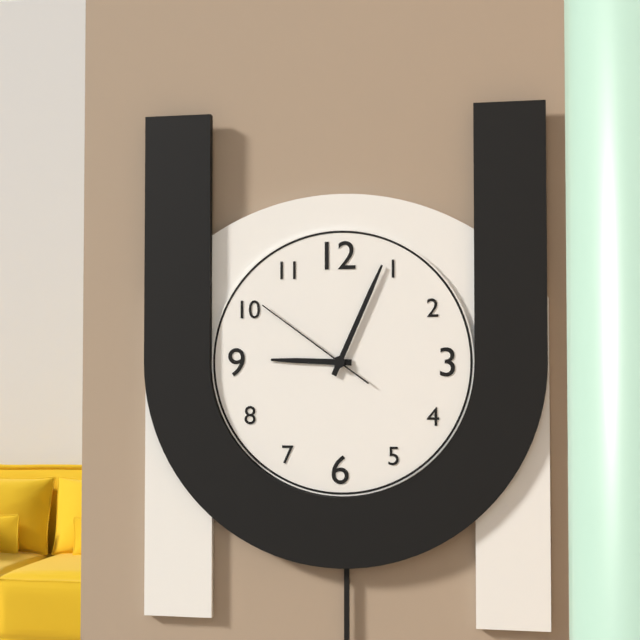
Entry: 9:04:51
